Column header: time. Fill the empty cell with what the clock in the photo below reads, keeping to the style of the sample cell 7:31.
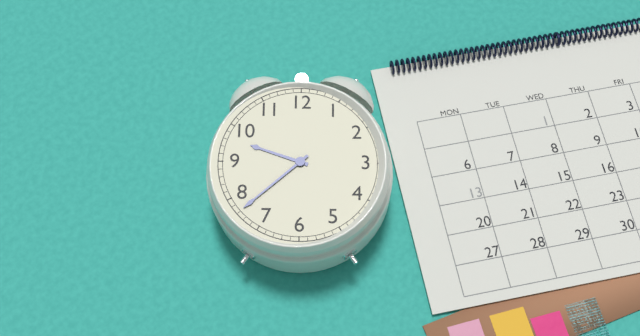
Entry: 9:38
